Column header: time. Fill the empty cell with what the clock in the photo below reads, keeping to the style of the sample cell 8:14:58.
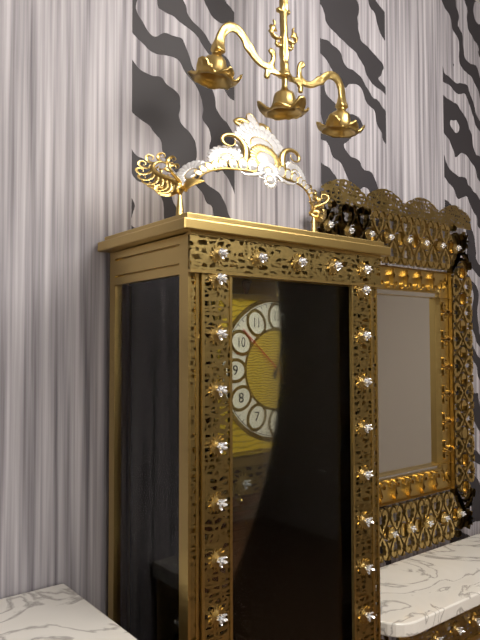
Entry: 1:04:52
